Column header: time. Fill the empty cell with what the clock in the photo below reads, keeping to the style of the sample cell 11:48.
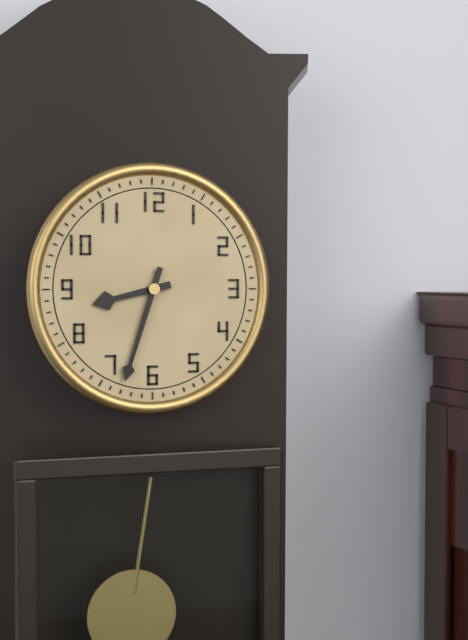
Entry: 8:33
